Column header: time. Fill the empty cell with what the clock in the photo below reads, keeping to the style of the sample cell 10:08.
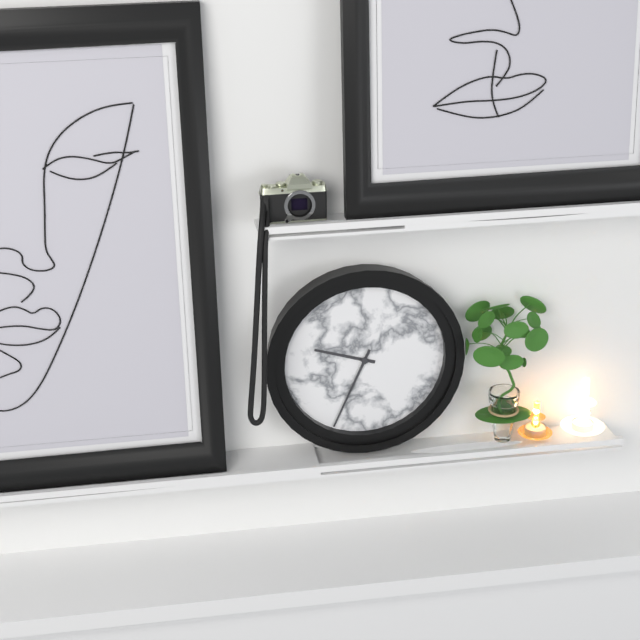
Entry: 9:34
